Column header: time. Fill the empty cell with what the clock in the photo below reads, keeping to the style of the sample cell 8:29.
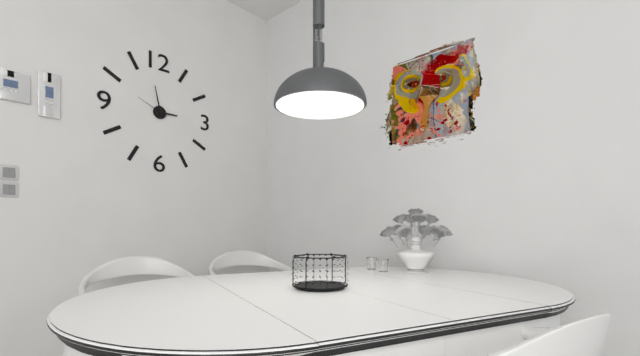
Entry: 2:58
